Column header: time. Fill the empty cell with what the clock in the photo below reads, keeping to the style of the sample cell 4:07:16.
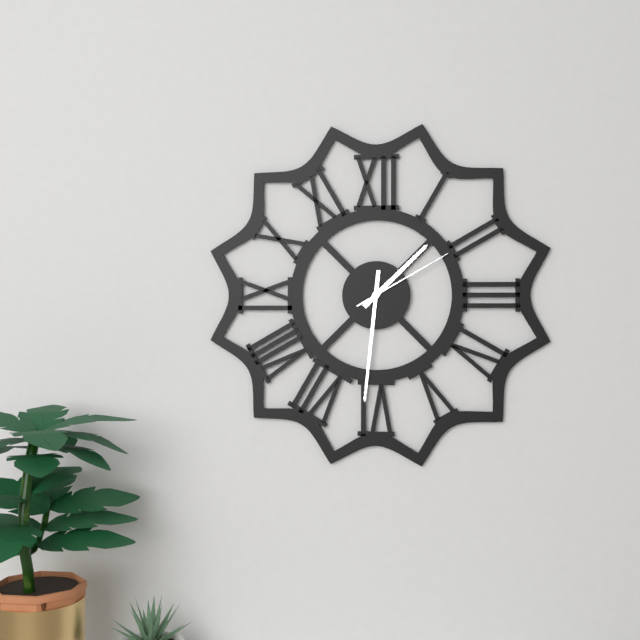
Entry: 1:31:10
